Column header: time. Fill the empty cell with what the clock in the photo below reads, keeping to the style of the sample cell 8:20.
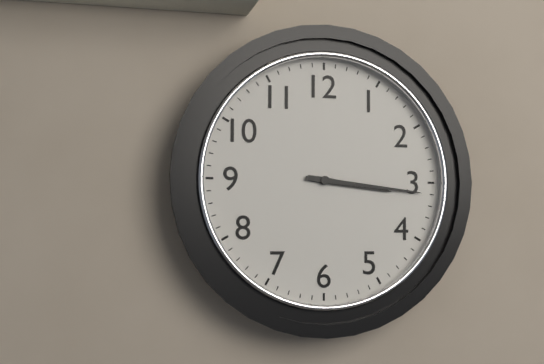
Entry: 3:16
